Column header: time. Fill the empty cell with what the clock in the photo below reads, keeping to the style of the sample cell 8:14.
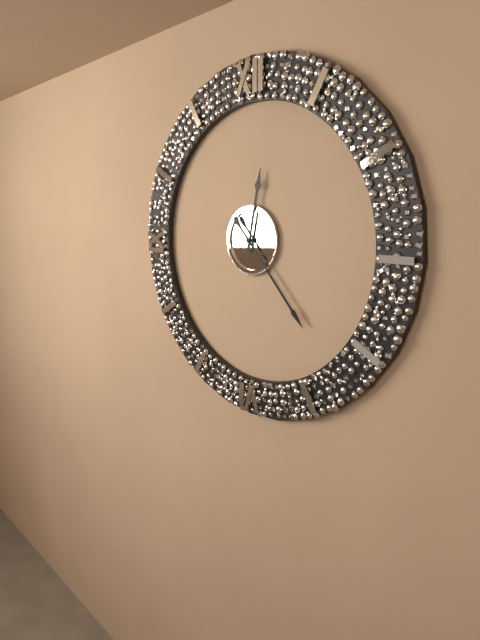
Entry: 12:23
